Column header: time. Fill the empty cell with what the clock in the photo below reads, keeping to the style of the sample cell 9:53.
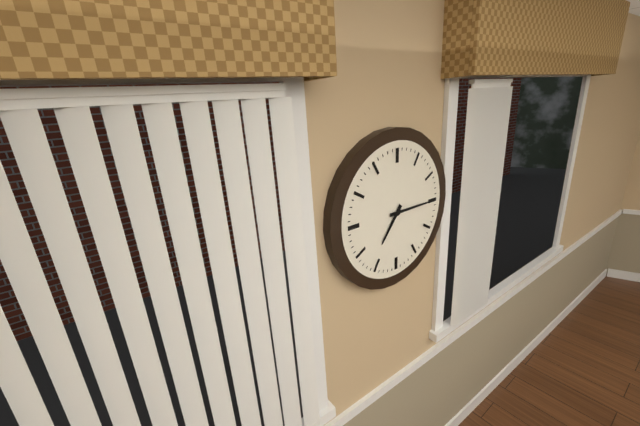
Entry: 7:15
